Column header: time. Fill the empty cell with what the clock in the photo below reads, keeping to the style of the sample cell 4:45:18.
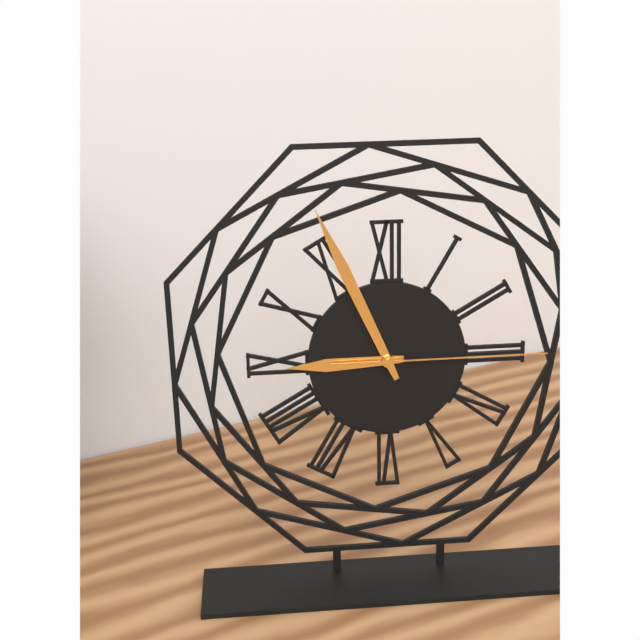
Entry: 8:56:15
